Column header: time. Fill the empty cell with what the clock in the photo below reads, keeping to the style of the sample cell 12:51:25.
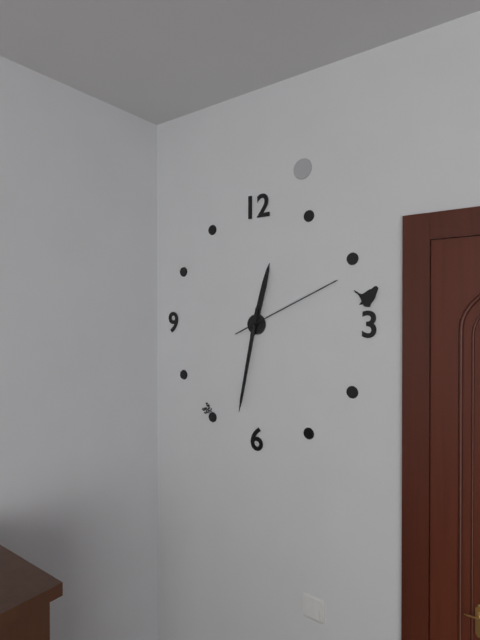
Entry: 12:32:11
